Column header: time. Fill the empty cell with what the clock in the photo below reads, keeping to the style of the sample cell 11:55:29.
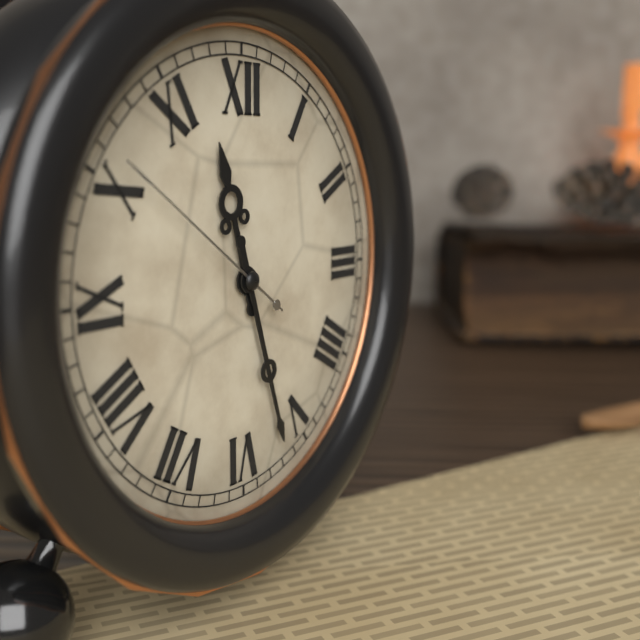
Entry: 11:27:51
